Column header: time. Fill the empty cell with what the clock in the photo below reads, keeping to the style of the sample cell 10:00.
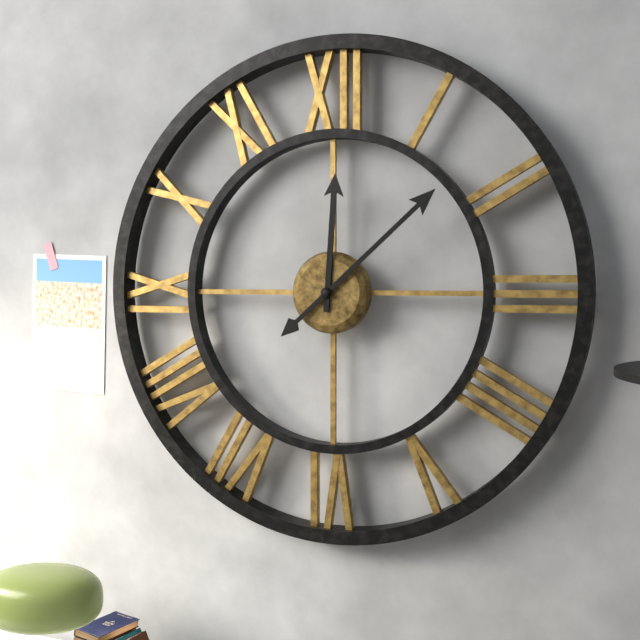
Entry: 12:08
